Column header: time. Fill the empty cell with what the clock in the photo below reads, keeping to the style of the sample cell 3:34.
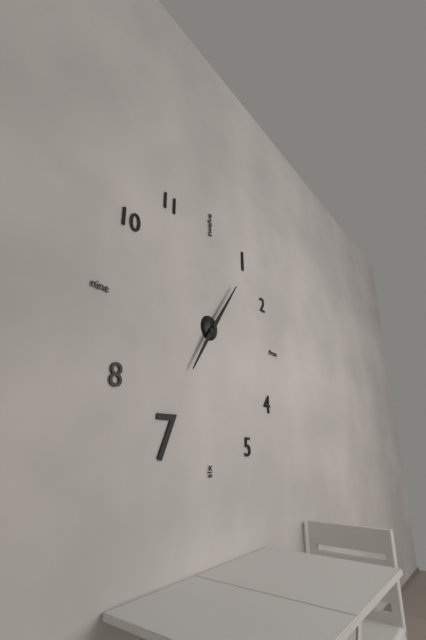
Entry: 7:06
